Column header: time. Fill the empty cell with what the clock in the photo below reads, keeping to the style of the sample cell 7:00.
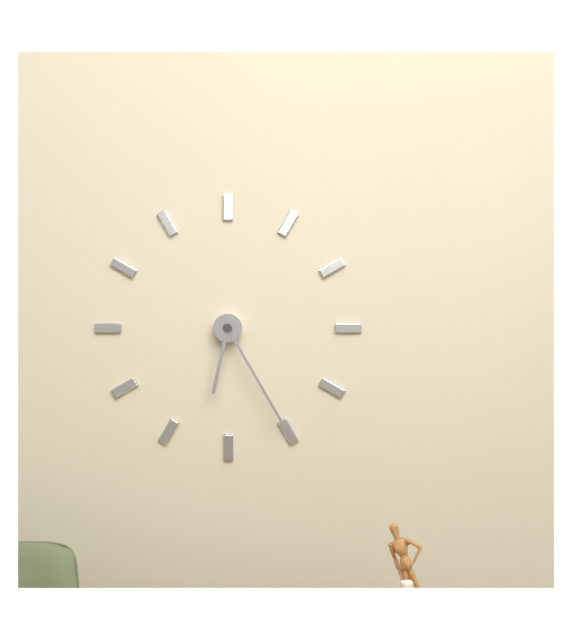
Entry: 6:25
